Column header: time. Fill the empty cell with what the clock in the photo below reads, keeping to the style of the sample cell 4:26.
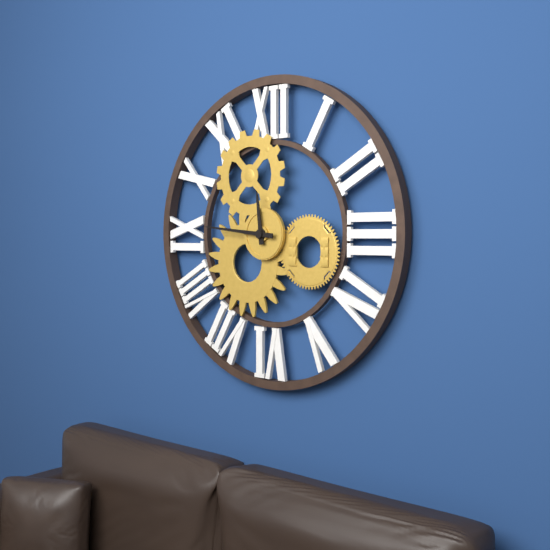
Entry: 11:46
